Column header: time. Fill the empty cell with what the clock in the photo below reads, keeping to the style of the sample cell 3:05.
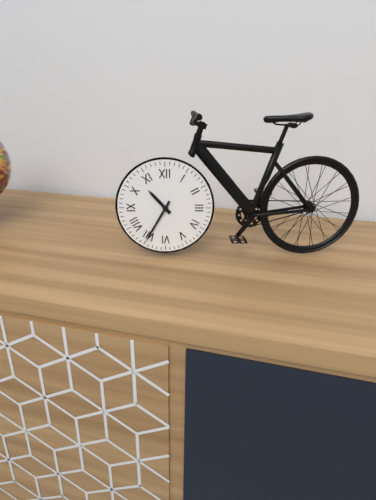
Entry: 10:35
